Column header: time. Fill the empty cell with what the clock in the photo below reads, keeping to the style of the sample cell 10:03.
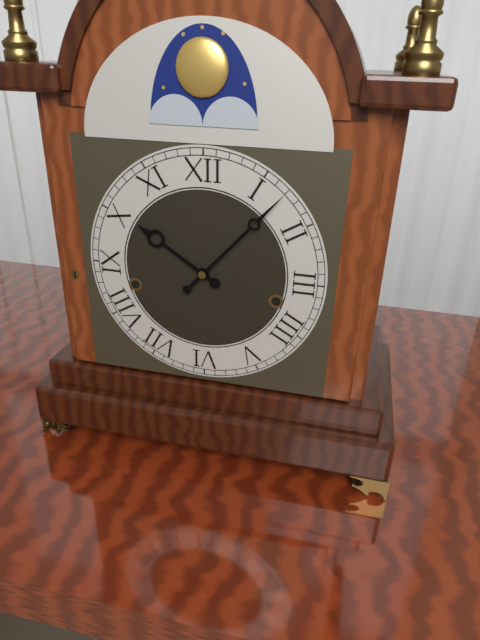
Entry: 10:07
